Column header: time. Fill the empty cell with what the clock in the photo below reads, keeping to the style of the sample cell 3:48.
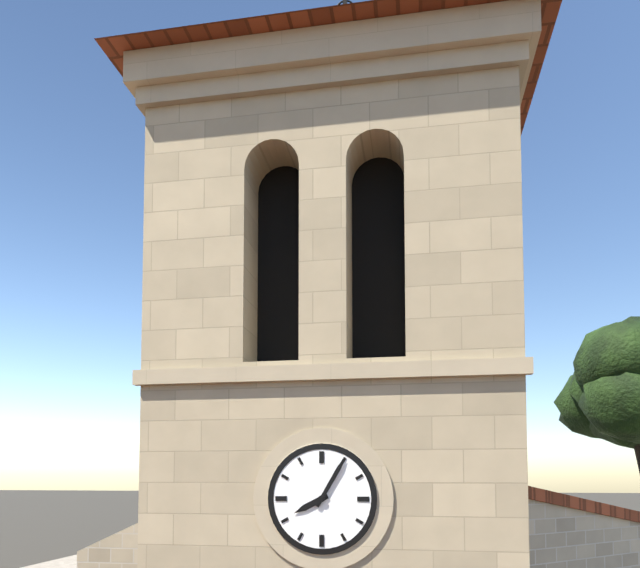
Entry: 8:05
